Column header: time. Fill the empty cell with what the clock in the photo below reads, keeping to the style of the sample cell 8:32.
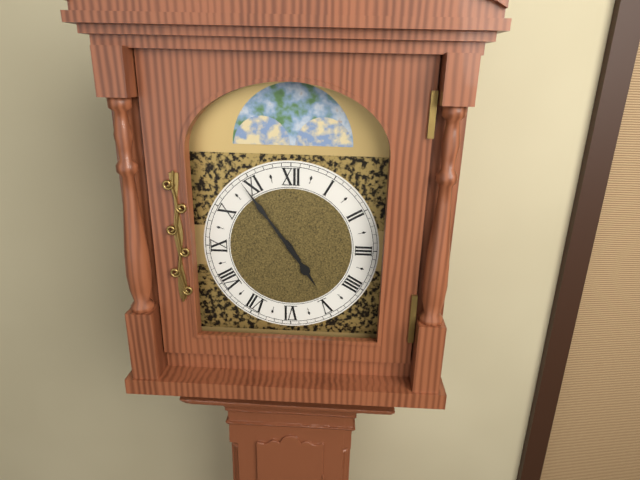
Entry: 4:54
